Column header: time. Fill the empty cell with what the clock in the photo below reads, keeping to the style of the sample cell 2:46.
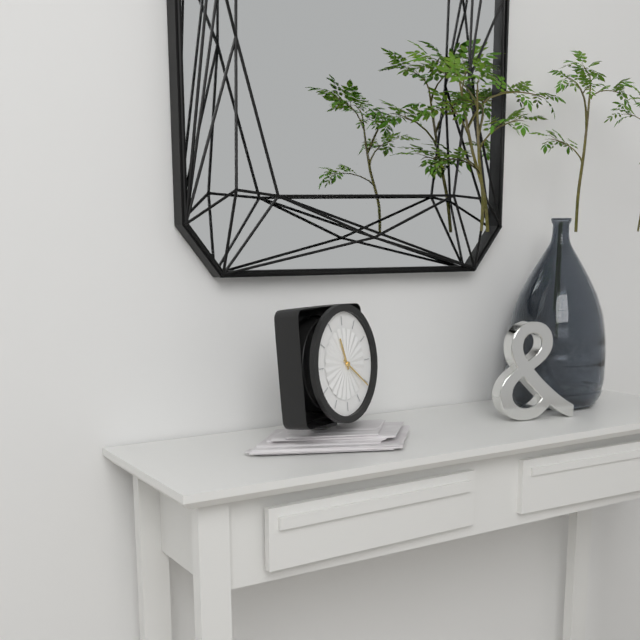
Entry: 11:21
